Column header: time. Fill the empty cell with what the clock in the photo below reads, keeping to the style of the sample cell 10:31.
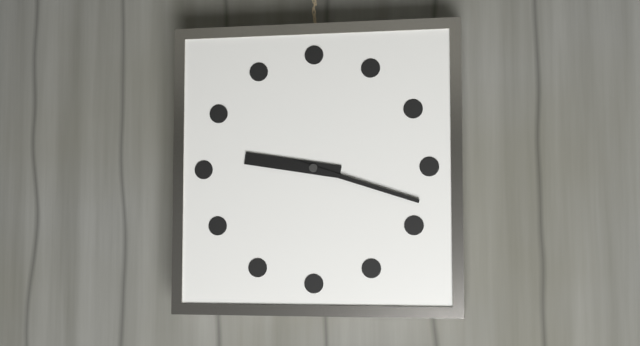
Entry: 9:18
